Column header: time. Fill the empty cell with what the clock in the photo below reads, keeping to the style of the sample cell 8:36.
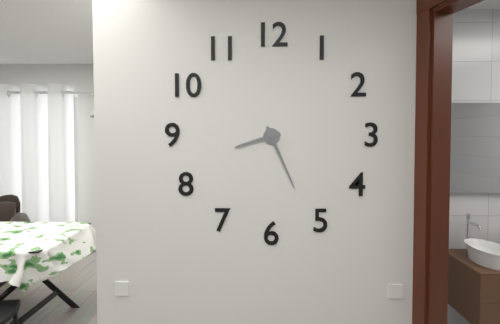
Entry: 8:26
